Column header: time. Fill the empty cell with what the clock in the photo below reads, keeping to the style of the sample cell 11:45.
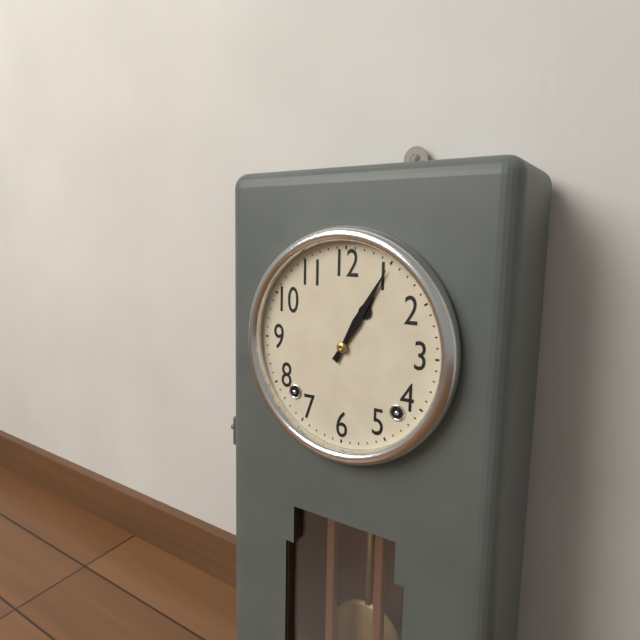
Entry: 1:05
